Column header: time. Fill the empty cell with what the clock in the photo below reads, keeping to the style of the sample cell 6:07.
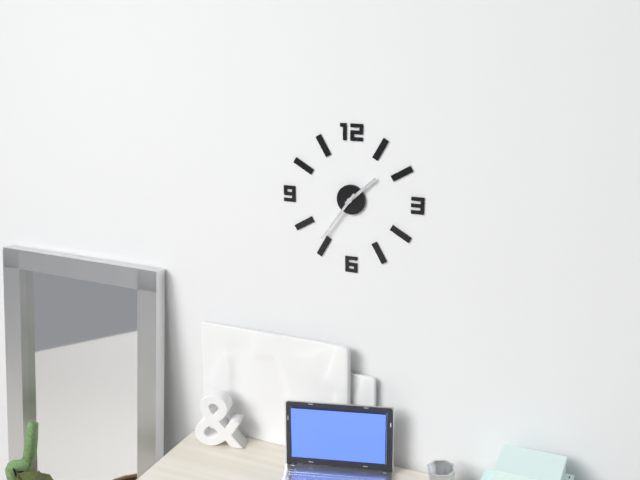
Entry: 1:36
